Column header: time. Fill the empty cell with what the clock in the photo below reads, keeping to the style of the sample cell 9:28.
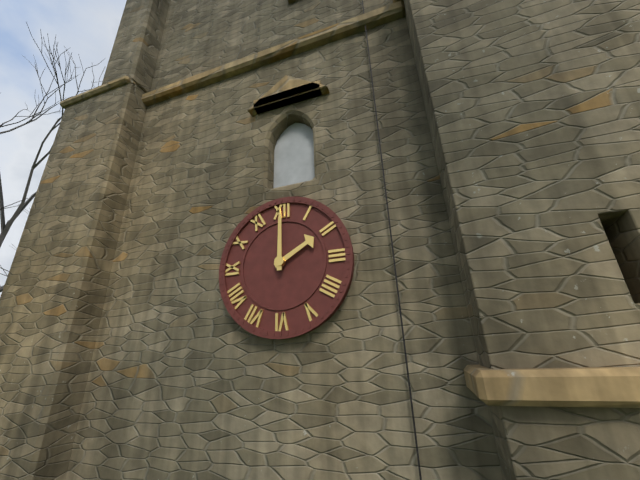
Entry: 2:00
